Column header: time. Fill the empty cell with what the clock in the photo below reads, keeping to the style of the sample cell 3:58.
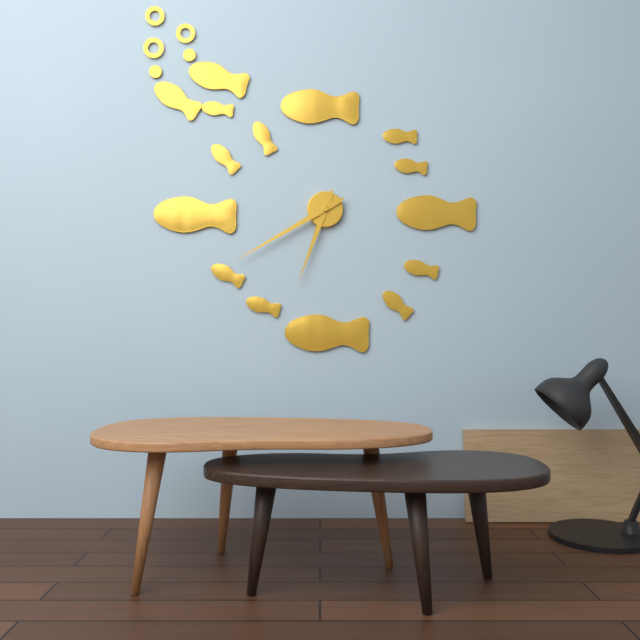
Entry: 6:40
